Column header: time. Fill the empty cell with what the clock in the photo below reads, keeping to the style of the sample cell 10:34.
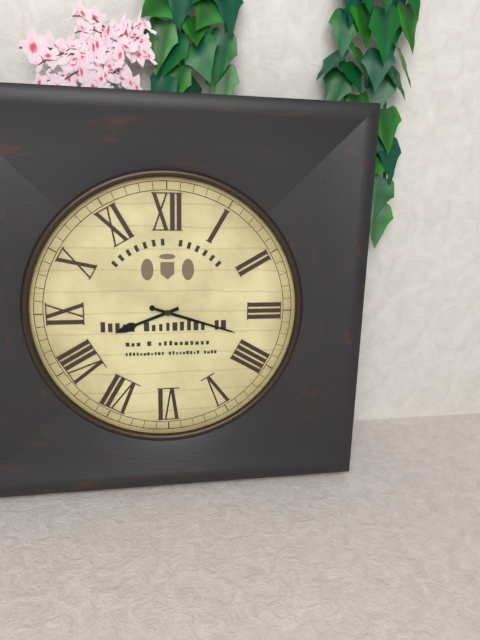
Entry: 8:18
